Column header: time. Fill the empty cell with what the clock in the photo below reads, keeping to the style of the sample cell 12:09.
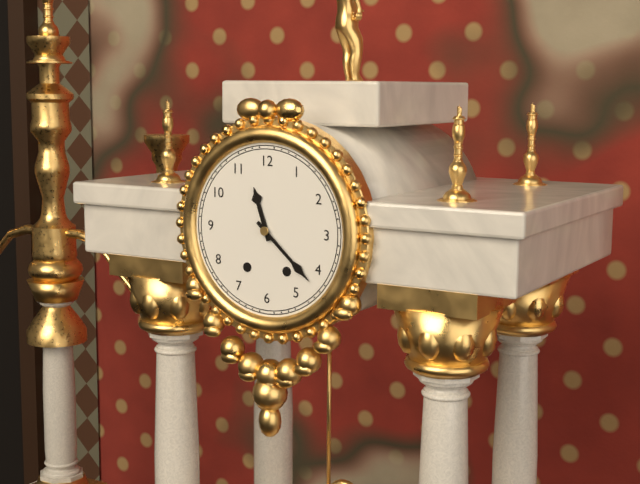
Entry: 11:22
